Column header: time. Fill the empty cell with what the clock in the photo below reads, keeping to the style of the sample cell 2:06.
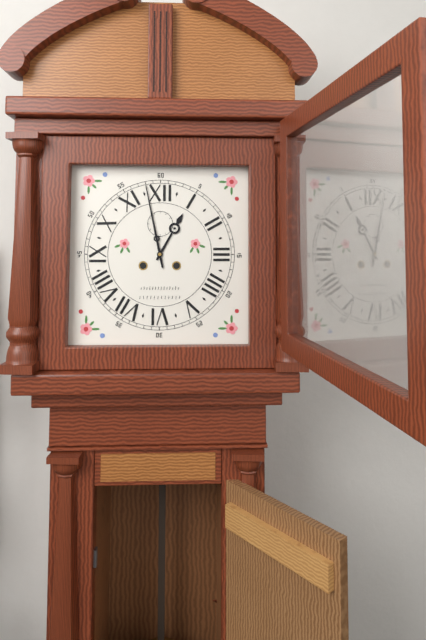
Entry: 12:58
